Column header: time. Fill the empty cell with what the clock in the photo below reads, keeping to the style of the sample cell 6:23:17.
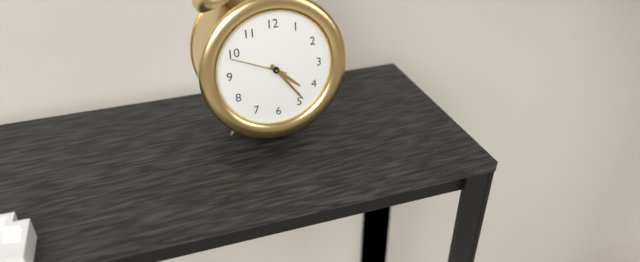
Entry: 4:24:49
